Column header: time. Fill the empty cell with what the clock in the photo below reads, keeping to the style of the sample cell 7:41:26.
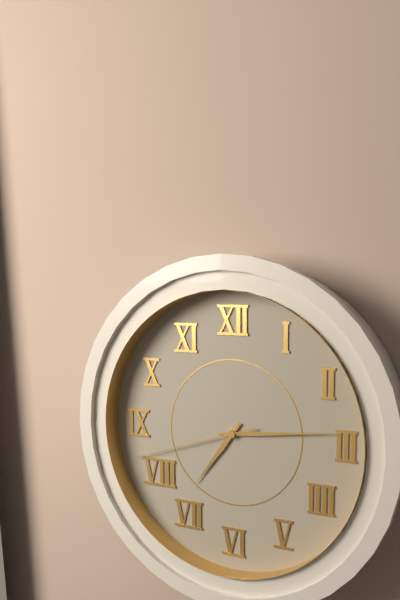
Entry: 7:14:42
